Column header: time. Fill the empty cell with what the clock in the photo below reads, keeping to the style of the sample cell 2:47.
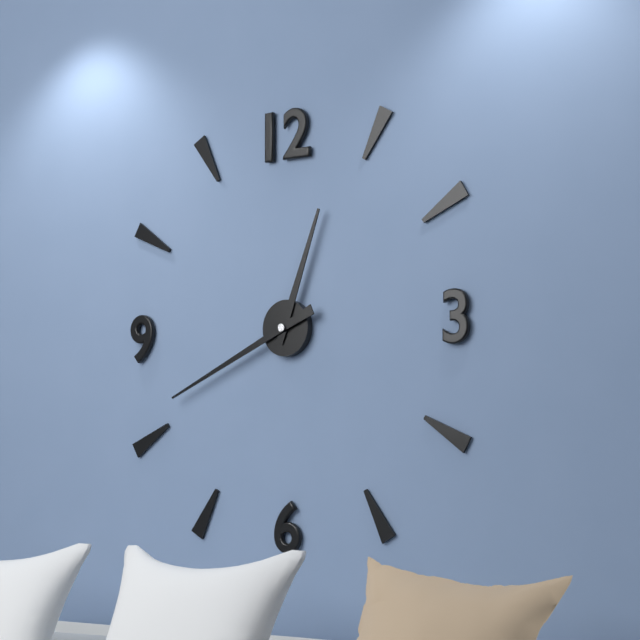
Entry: 12:41
